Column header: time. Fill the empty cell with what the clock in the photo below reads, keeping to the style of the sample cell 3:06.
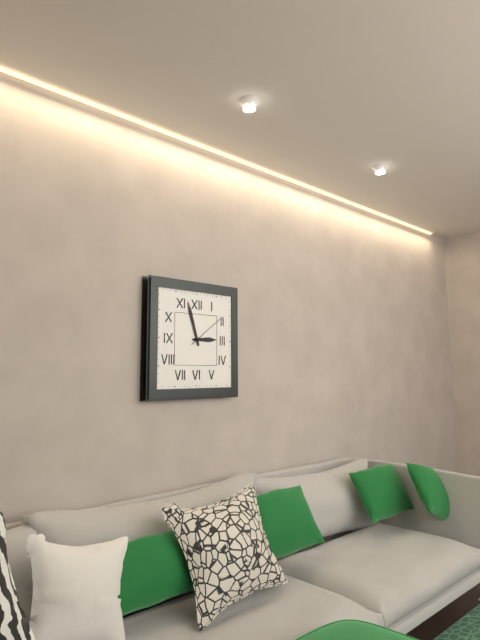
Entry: 2:57
